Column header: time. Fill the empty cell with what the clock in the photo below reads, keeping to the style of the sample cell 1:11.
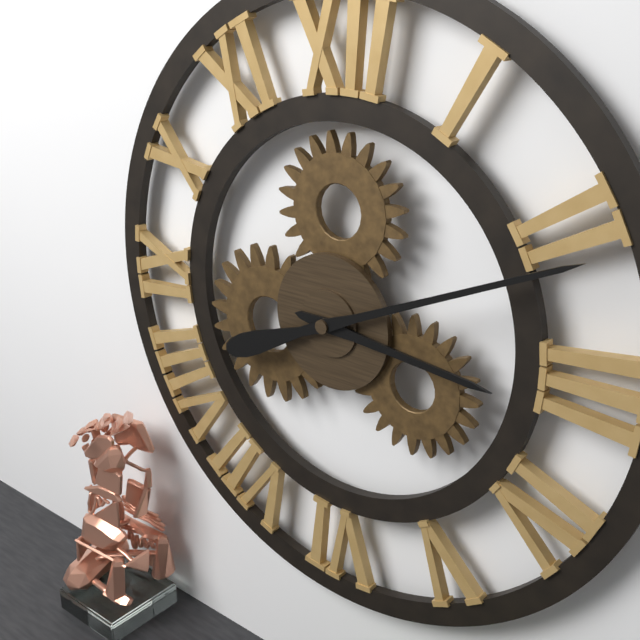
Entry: 3:11
